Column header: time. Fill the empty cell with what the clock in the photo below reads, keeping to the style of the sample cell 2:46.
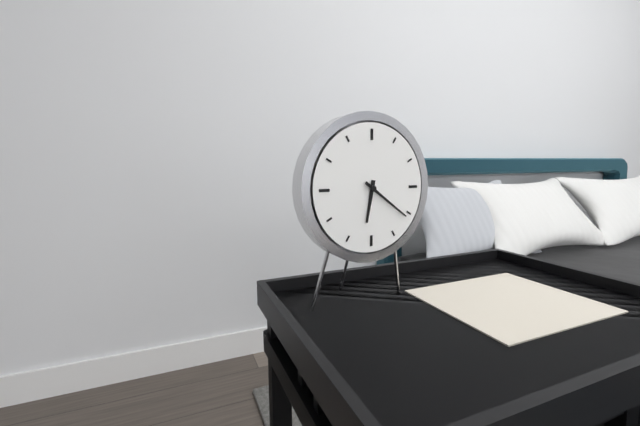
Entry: 6:21
